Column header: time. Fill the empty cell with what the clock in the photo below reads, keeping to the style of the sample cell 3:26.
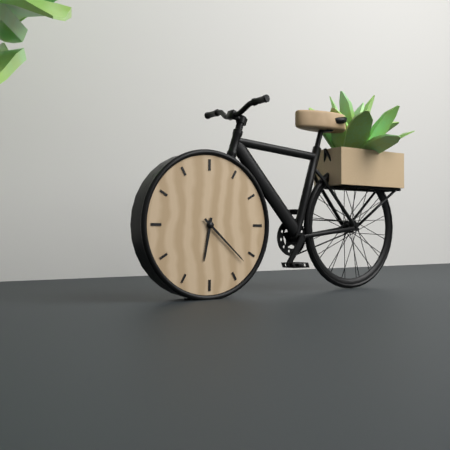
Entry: 6:22
